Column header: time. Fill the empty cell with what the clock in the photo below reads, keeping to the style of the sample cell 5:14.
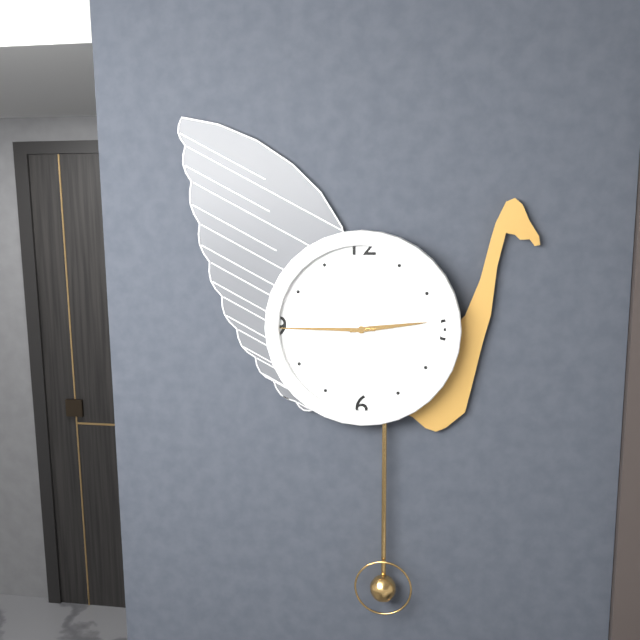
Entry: 2:45
